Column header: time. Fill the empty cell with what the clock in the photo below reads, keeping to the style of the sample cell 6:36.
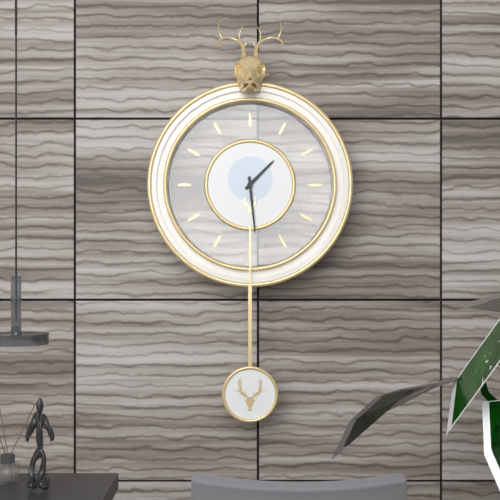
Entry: 1:29
